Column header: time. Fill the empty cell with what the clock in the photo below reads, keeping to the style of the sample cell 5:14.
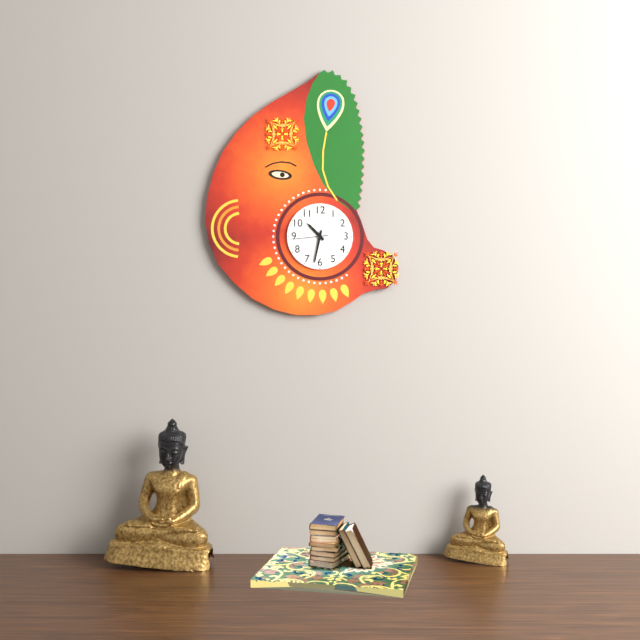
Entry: 10:32
